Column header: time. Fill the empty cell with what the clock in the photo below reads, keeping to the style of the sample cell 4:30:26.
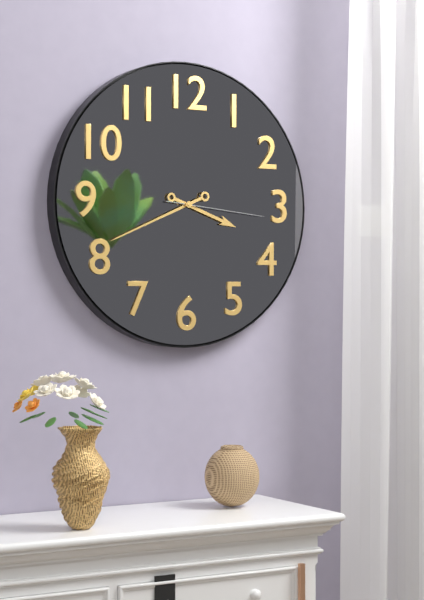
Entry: 3:41:16
